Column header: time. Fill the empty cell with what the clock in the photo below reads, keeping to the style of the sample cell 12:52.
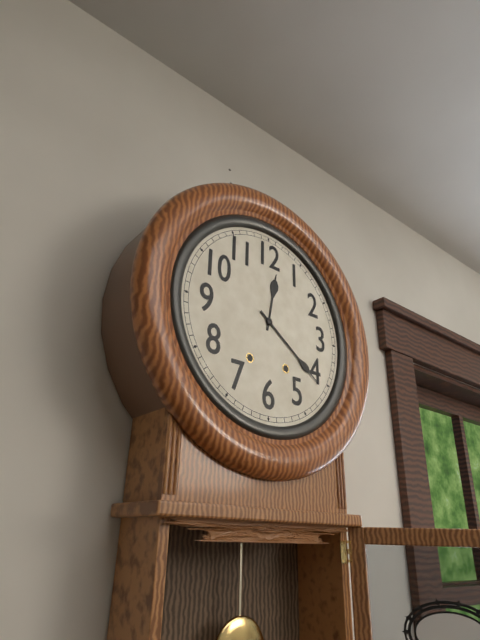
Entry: 12:21
